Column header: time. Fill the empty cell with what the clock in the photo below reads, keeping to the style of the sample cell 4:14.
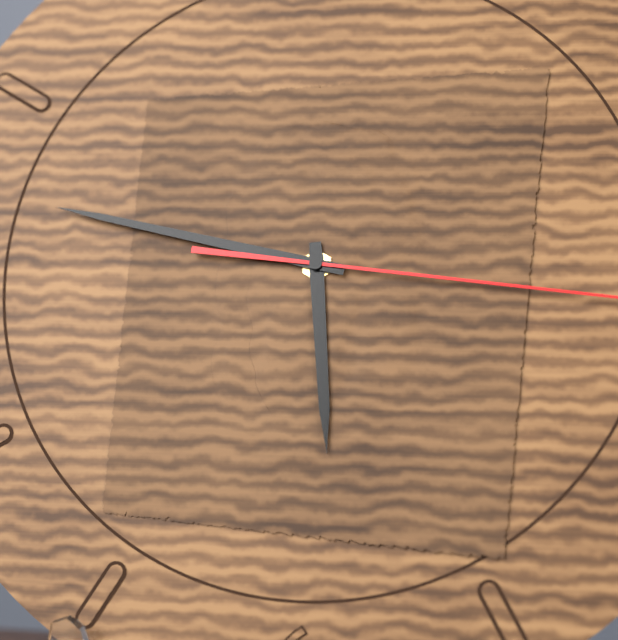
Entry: 5:47
